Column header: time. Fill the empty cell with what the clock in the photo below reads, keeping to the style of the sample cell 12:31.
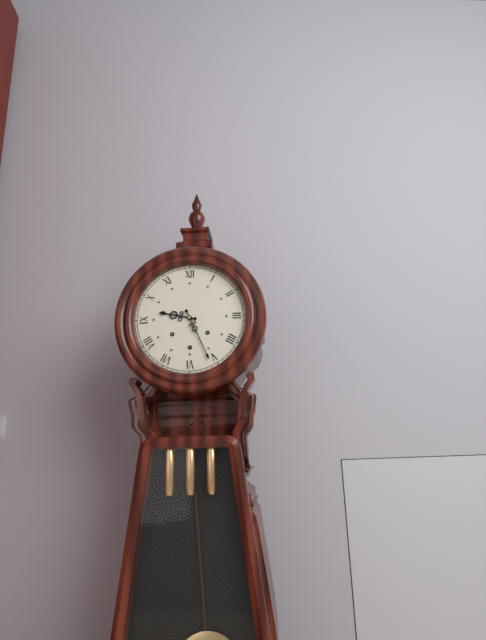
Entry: 9:26
